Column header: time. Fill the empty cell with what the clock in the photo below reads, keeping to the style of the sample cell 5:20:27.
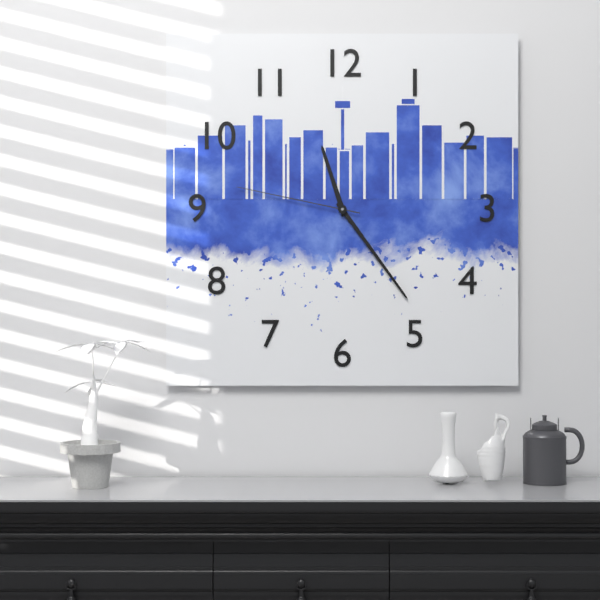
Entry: 11:24:47
